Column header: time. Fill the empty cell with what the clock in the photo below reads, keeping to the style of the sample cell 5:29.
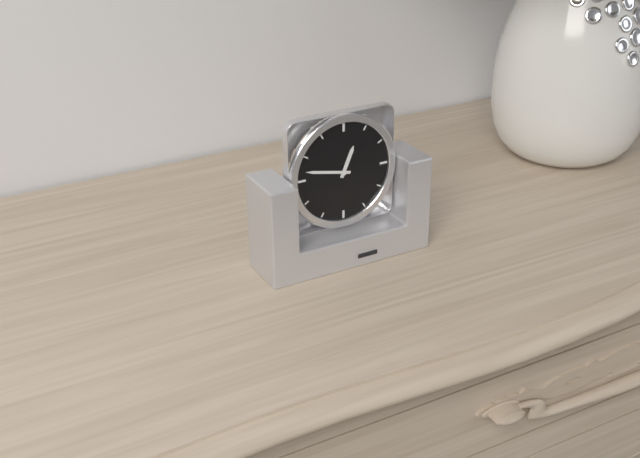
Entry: 12:47
